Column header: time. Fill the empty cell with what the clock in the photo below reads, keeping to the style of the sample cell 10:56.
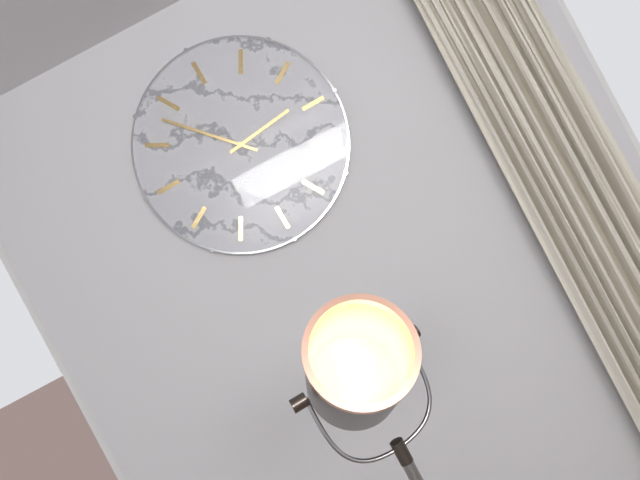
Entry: 1:48
